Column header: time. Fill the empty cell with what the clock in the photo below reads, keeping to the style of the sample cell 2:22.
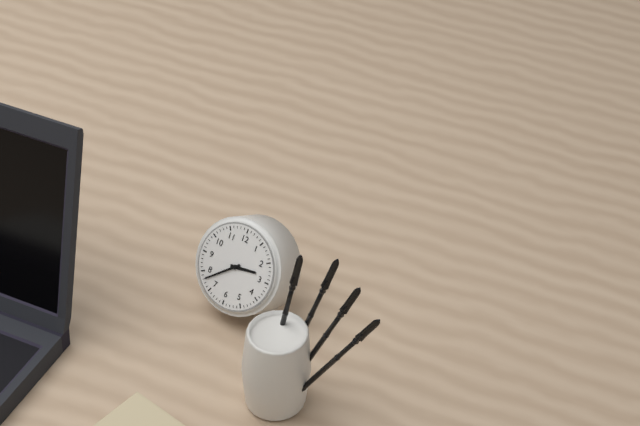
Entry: 2:38
